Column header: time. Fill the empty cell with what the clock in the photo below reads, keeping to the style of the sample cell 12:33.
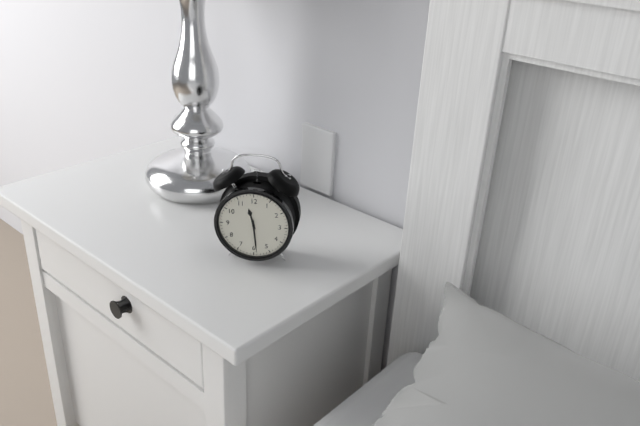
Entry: 11:29
